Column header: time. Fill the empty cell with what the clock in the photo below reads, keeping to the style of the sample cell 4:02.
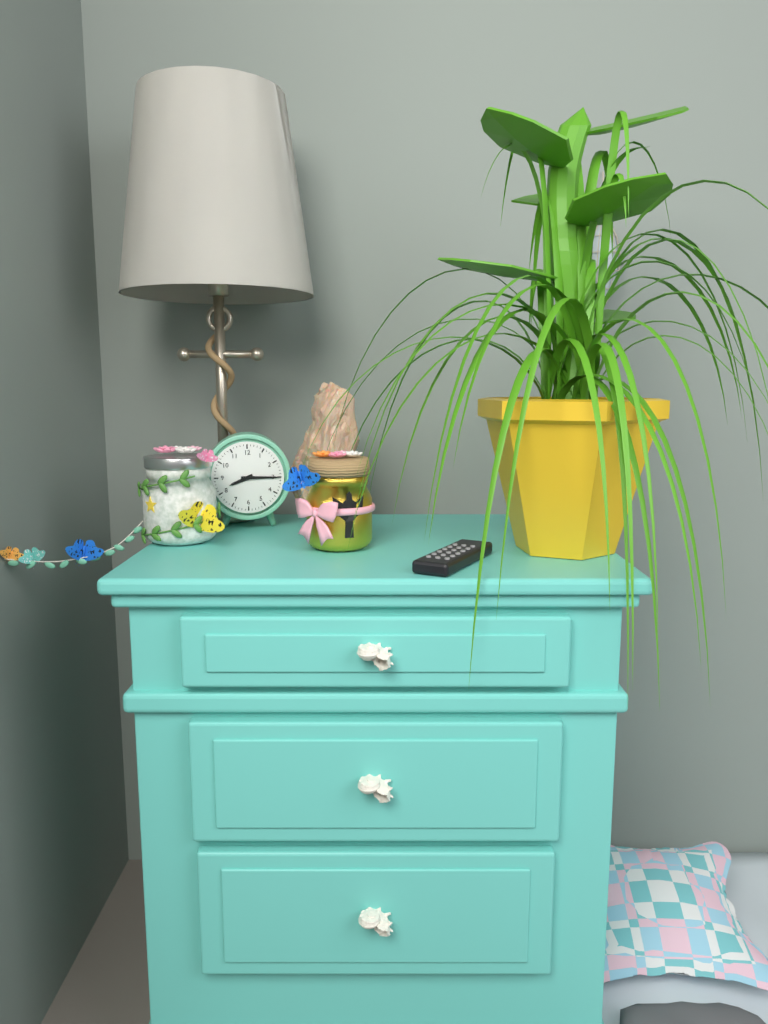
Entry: 8:15
